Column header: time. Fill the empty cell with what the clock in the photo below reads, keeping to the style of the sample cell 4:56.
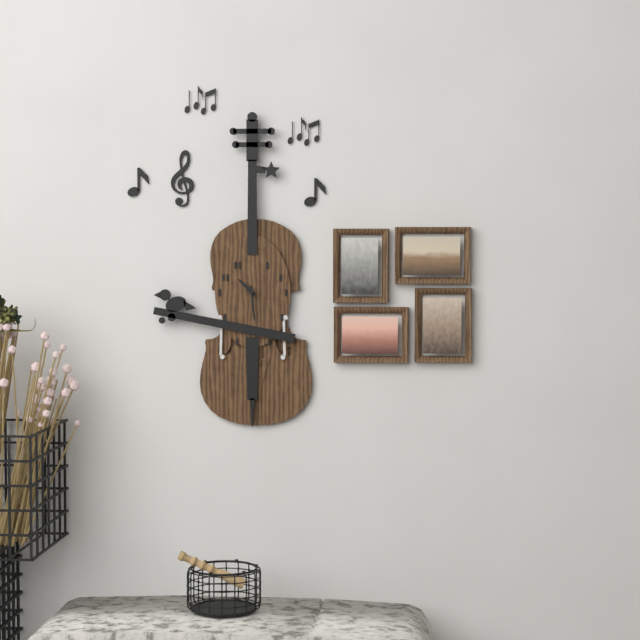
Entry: 10:29
